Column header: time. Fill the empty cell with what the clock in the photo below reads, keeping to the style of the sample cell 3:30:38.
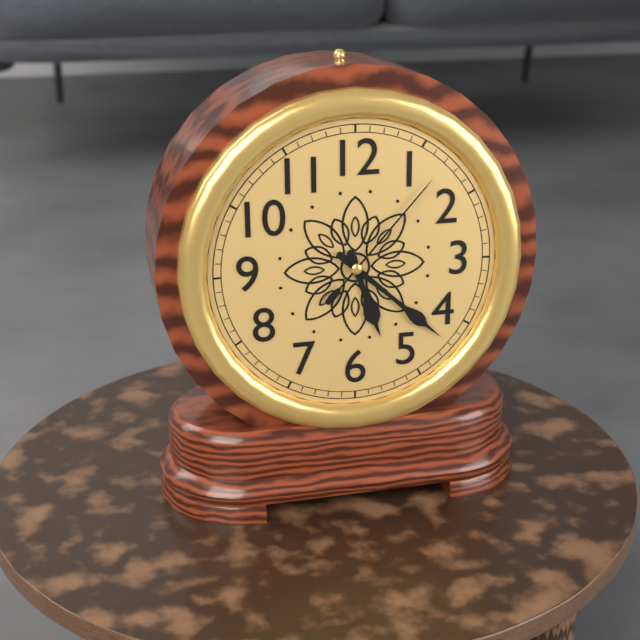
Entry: 5:22:07
